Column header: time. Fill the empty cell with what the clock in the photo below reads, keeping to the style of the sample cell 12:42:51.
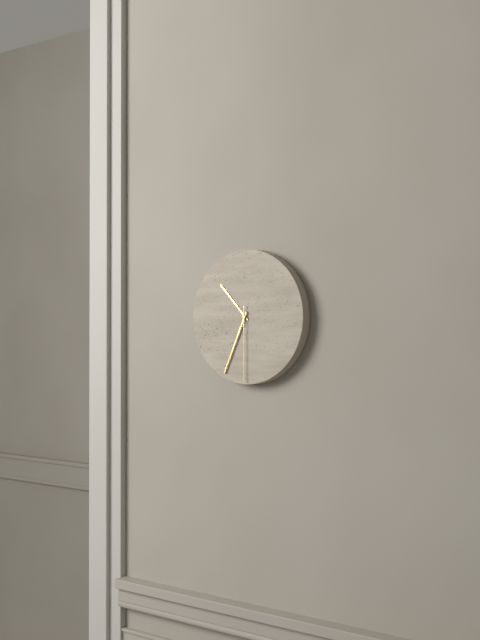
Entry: 10:34:30
